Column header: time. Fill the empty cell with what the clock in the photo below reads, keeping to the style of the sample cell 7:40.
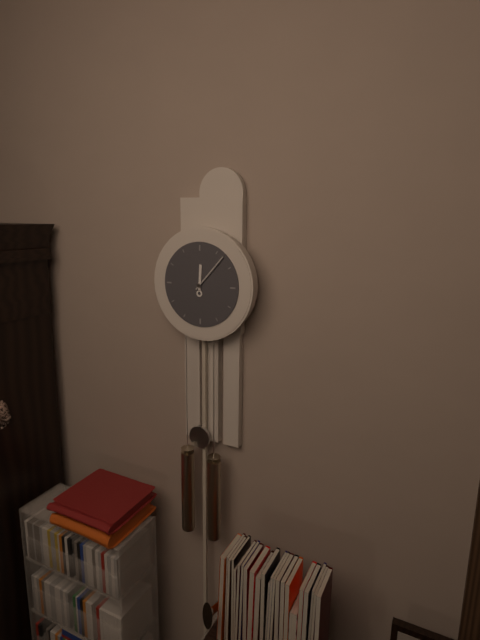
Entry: 12:07
